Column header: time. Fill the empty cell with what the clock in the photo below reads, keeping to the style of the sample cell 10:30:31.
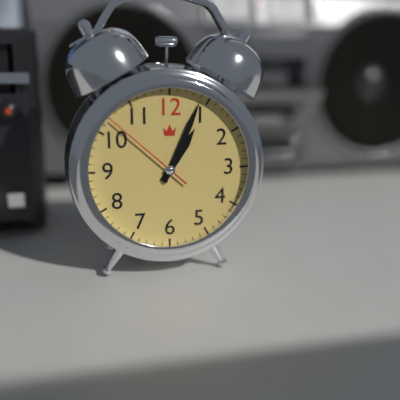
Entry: 1:04:52
